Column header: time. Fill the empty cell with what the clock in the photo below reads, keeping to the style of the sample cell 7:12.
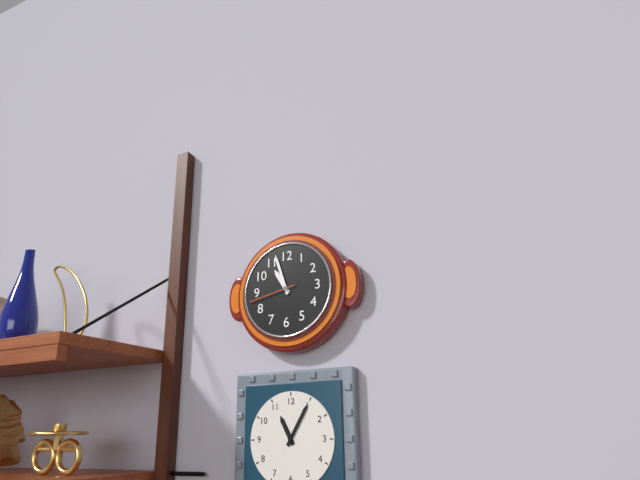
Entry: 10:57
